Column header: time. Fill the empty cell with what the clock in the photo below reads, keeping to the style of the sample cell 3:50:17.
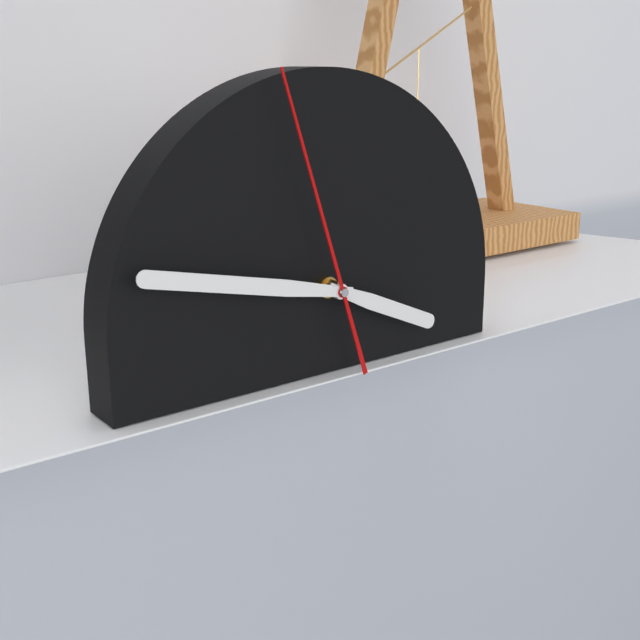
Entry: 3:47:57
